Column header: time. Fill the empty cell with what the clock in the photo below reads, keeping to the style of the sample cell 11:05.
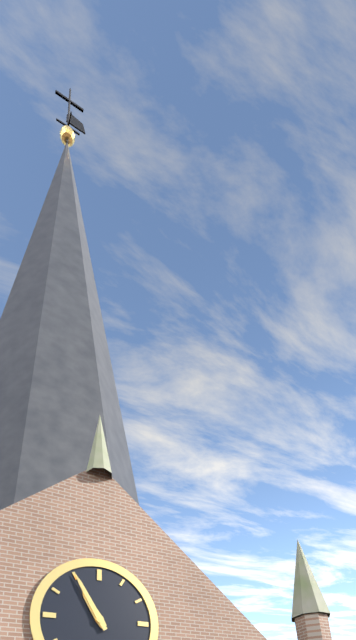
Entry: 10:55
